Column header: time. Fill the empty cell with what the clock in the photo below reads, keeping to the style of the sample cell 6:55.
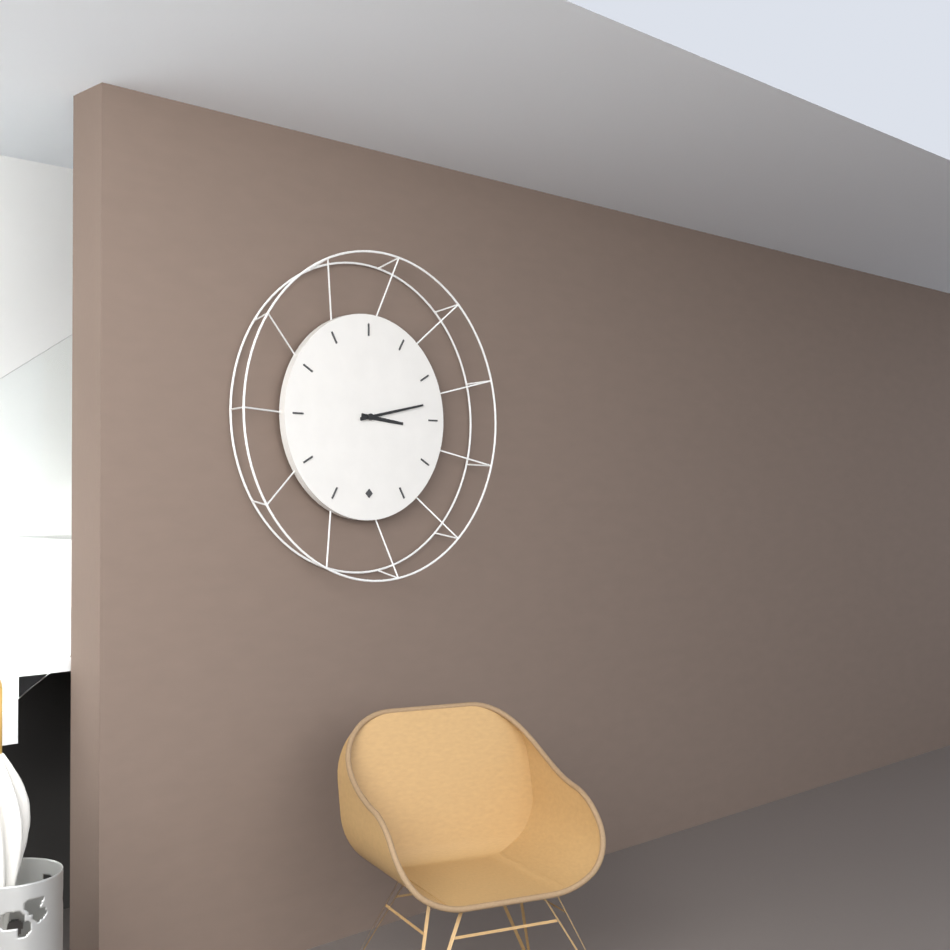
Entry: 3:13
